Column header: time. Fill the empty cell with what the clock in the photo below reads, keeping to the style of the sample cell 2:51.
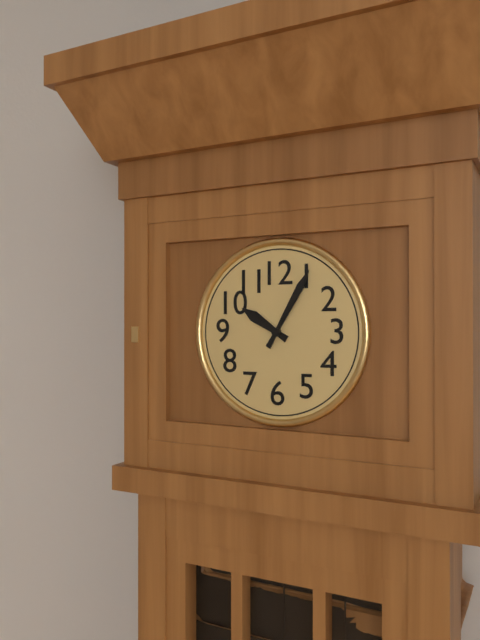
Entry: 10:05
